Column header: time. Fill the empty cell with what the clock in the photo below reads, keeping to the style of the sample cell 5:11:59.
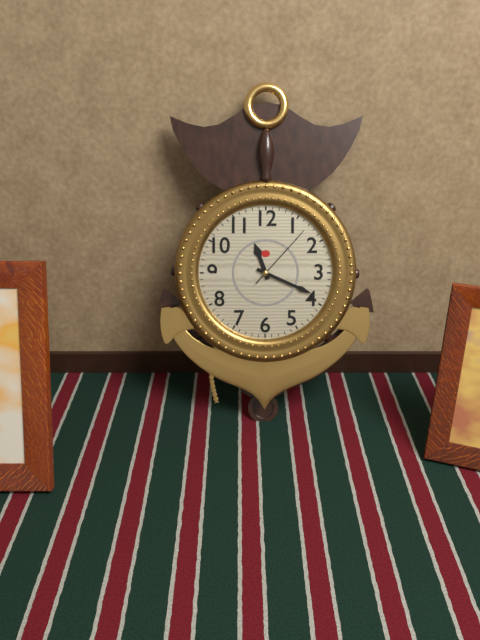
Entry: 11:19:07
